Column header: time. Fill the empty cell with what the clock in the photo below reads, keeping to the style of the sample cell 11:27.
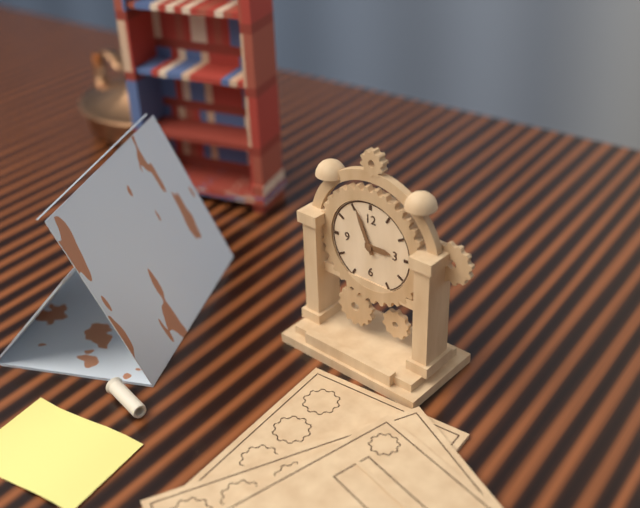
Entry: 2:56
